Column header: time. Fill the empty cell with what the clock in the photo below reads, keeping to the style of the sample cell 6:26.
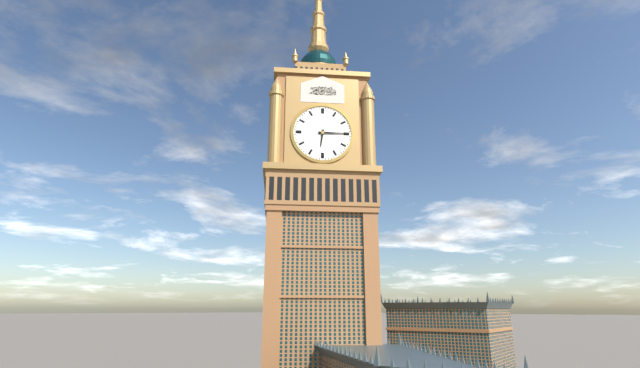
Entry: 6:15
